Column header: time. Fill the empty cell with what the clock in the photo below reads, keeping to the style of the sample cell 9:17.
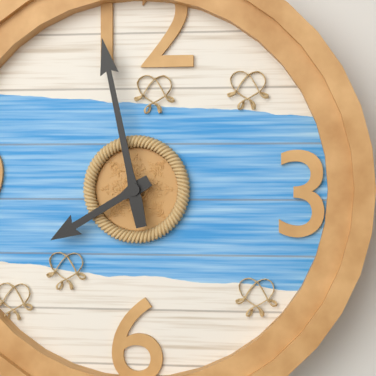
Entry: 7:58
